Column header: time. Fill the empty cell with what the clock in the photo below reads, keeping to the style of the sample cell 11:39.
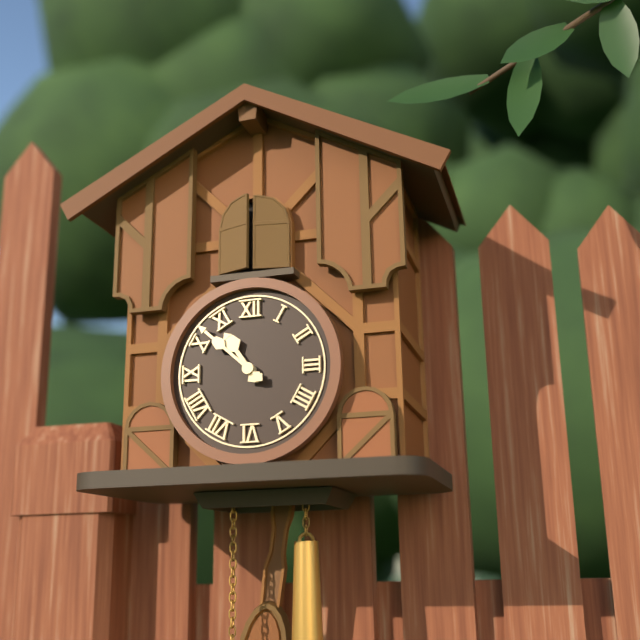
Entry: 10:52
